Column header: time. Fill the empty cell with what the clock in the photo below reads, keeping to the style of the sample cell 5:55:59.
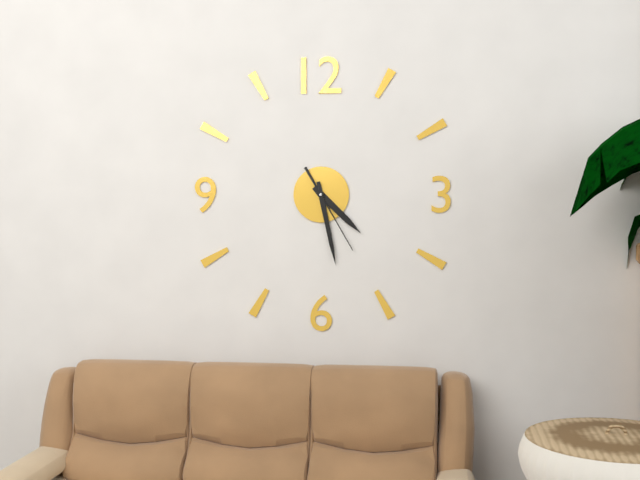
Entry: 4:28:25
